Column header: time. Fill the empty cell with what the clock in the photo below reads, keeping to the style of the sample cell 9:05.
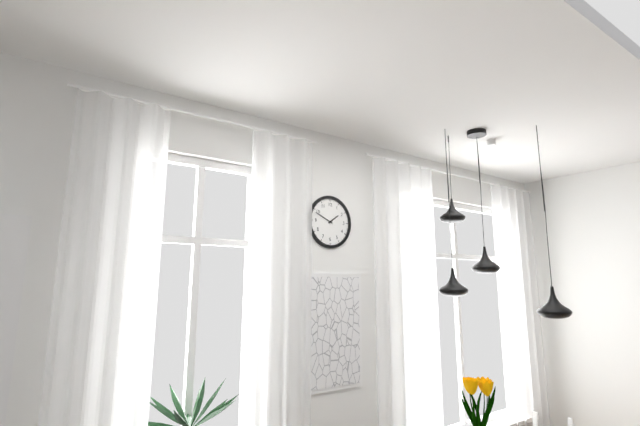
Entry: 1:49
